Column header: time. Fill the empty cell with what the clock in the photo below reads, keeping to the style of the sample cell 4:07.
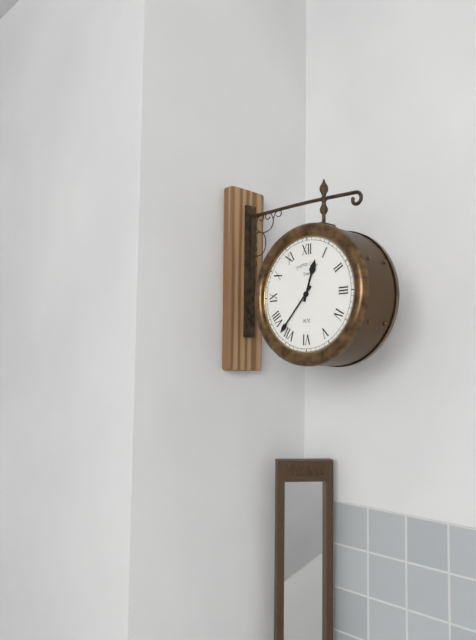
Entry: 12:37
